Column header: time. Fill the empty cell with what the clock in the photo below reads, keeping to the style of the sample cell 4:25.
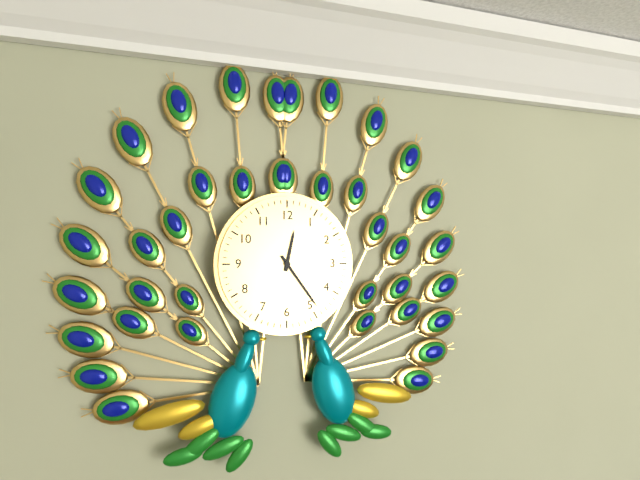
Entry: 12:24
